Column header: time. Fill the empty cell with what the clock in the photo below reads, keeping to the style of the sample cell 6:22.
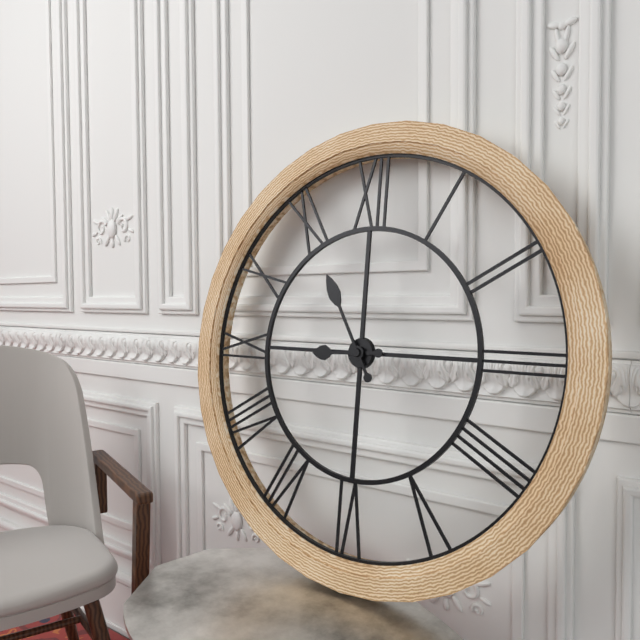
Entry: 8:55
